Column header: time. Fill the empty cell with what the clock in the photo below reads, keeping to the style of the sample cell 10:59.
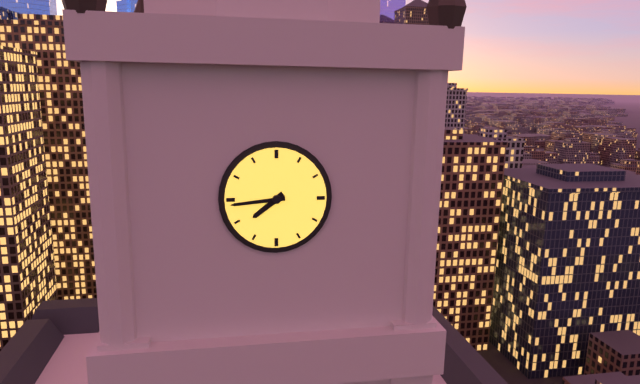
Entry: 7:44
